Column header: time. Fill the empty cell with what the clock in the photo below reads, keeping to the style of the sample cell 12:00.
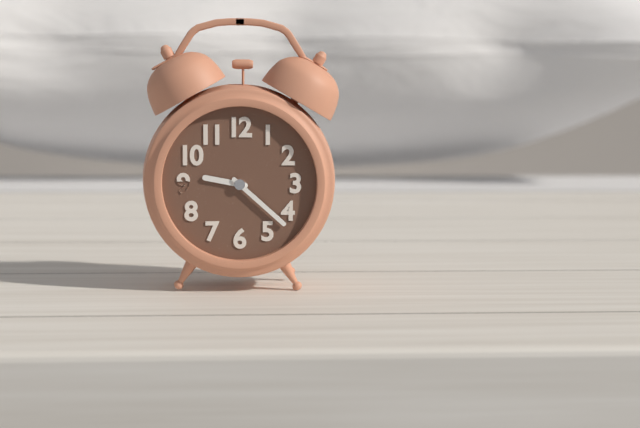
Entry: 9:22
